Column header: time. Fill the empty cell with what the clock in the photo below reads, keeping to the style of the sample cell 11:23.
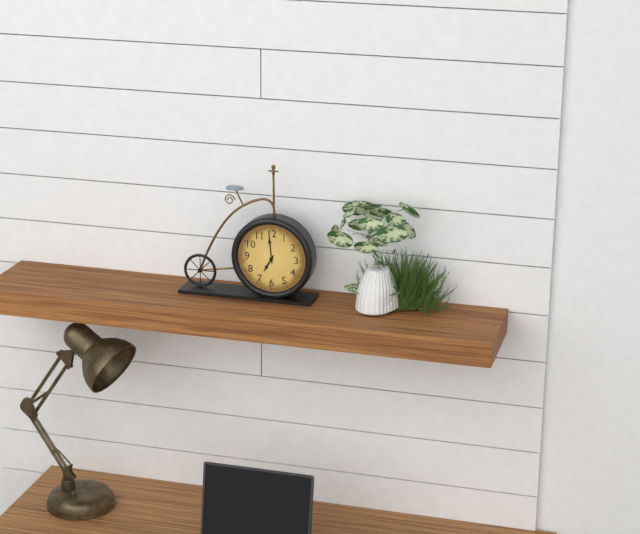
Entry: 6:59
